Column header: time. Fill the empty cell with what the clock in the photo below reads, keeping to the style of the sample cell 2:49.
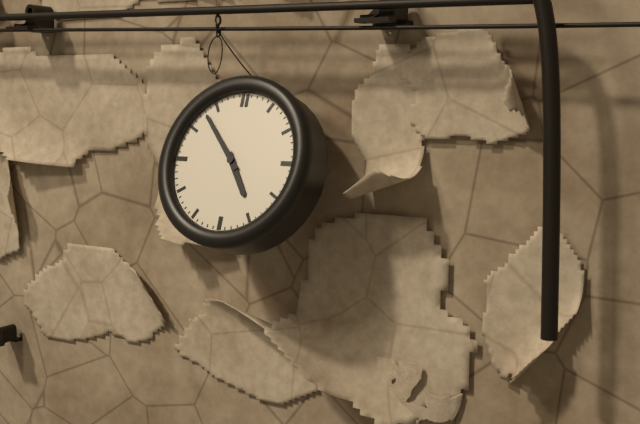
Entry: 4:53
